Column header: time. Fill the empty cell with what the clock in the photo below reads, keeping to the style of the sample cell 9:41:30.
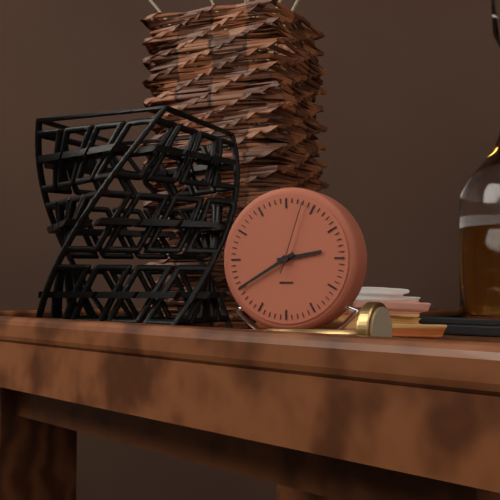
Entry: 2:40:03
